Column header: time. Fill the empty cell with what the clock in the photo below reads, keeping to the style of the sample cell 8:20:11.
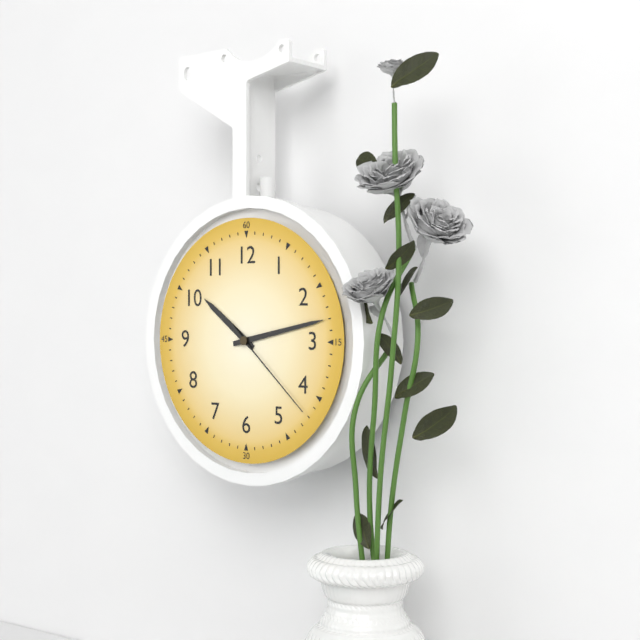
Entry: 10:13:22
